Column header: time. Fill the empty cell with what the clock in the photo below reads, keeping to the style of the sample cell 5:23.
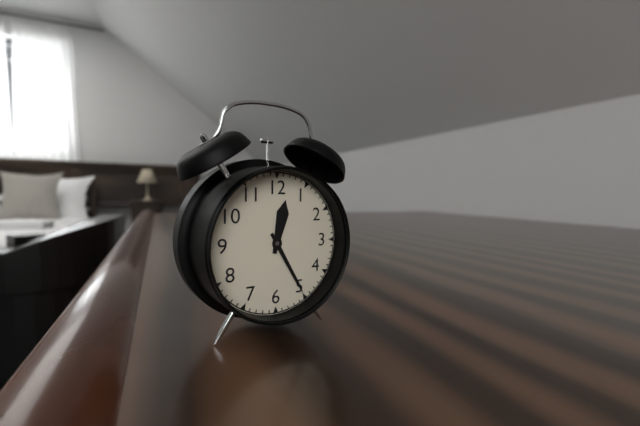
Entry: 12:25
